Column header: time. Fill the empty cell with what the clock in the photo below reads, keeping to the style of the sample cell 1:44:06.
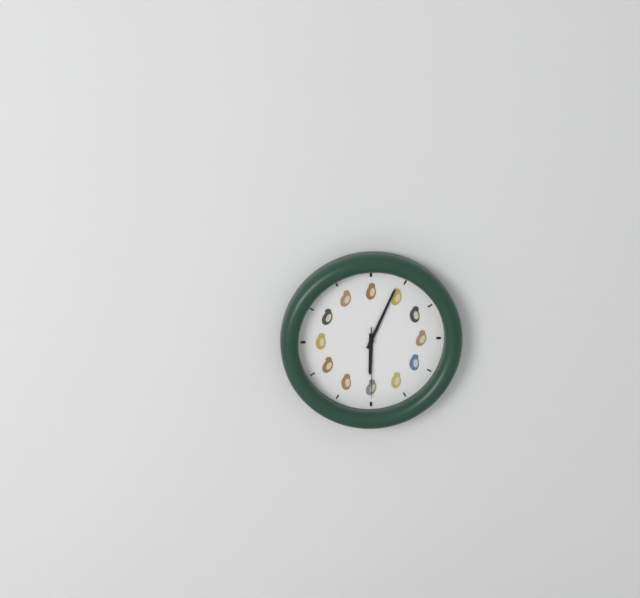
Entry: 6:04:30
